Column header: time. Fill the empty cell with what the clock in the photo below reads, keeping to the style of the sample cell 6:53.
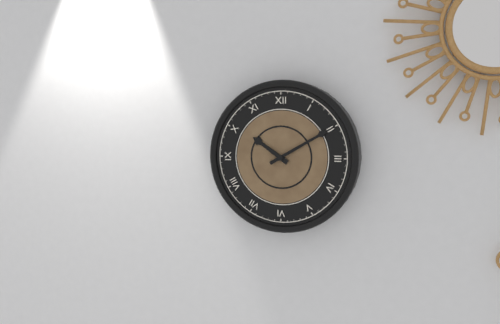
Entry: 10:10
